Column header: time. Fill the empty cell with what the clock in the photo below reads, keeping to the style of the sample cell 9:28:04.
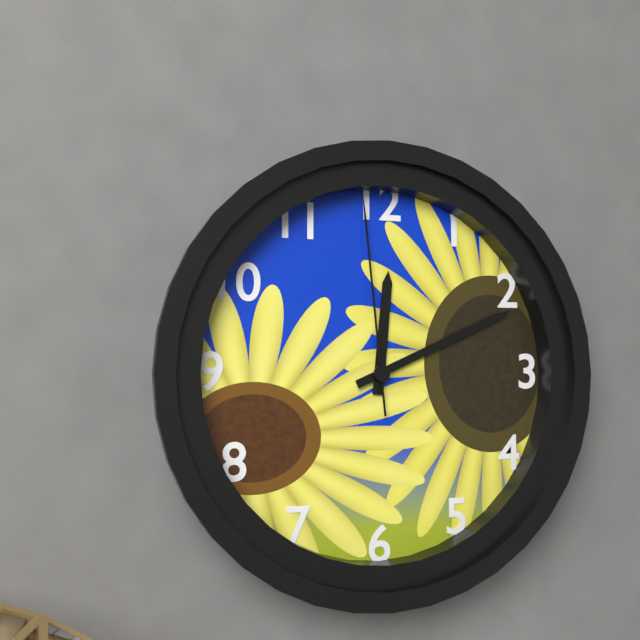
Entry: 12:11:59
